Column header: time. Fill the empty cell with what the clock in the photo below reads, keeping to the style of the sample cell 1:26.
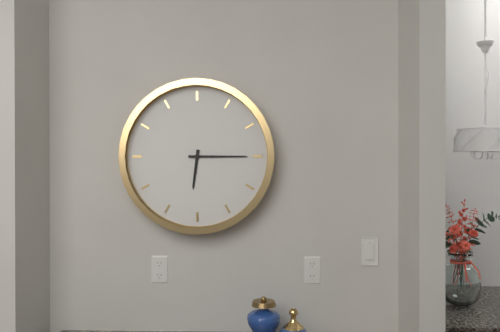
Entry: 6:15
